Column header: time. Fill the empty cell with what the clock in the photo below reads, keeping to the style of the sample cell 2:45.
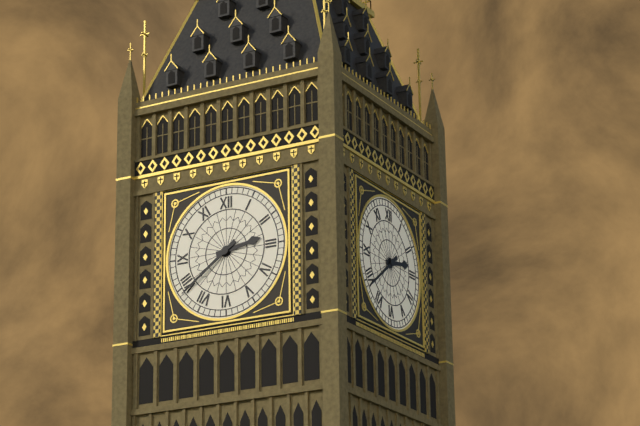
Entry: 2:39
